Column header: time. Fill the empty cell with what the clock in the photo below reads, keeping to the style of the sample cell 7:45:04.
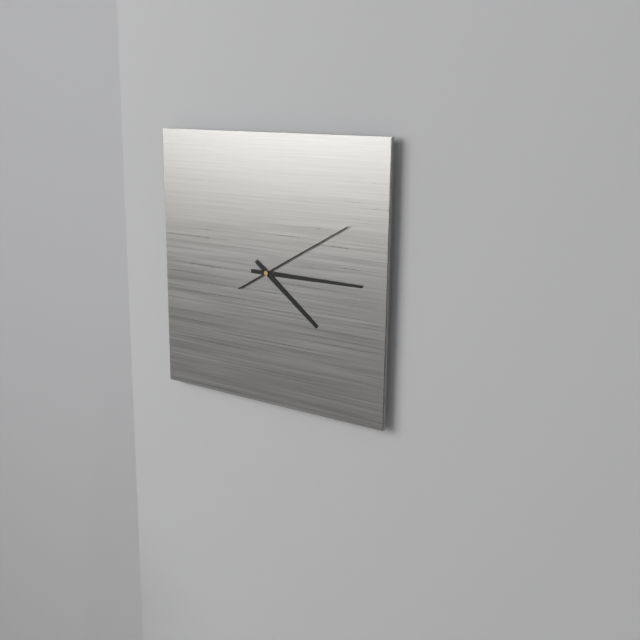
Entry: 4:15:10
